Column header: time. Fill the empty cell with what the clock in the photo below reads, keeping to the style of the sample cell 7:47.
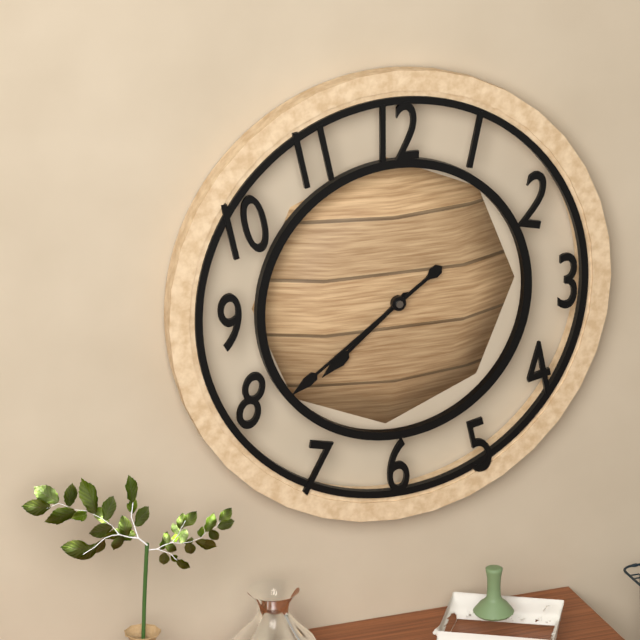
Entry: 7:39
